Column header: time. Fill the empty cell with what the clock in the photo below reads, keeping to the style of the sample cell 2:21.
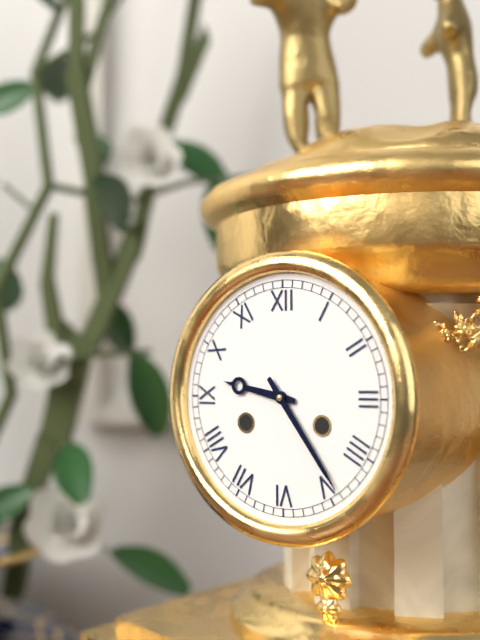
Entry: 9:24
